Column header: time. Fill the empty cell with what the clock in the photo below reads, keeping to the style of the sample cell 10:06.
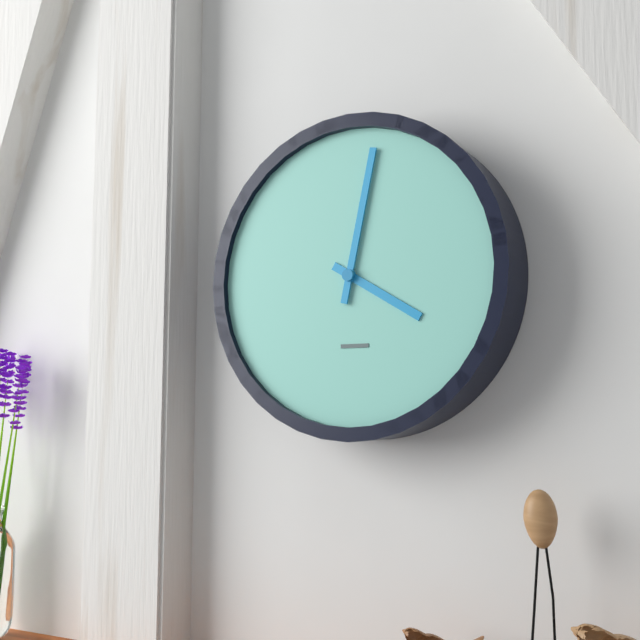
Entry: 4:02
